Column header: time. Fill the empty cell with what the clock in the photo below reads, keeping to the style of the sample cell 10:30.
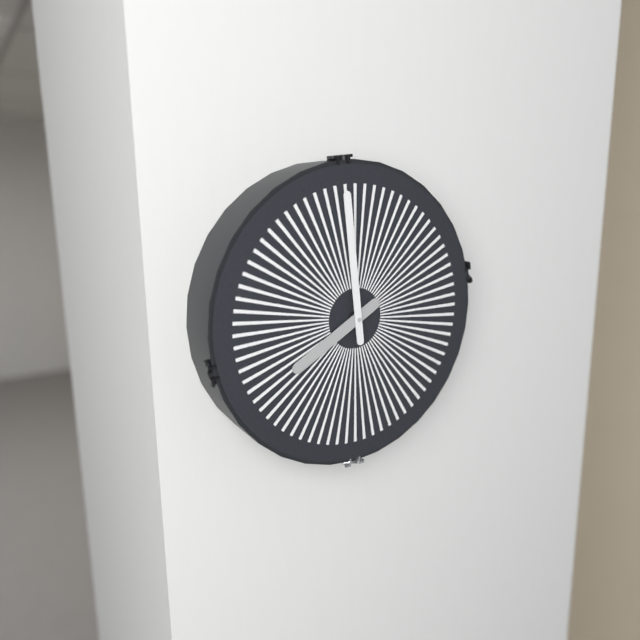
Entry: 7:59
